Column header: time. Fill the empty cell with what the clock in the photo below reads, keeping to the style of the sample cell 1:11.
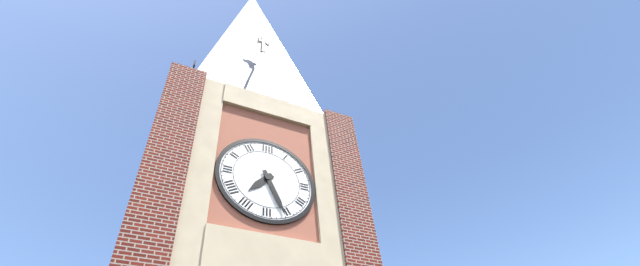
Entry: 7:26
